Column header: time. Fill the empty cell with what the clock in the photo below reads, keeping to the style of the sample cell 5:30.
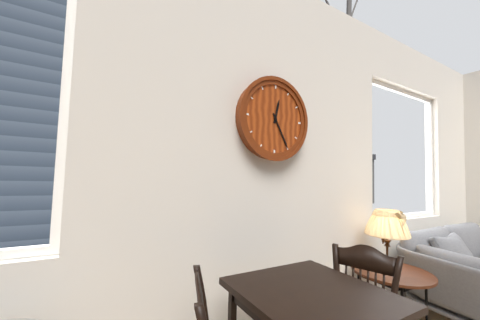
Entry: 12:25
